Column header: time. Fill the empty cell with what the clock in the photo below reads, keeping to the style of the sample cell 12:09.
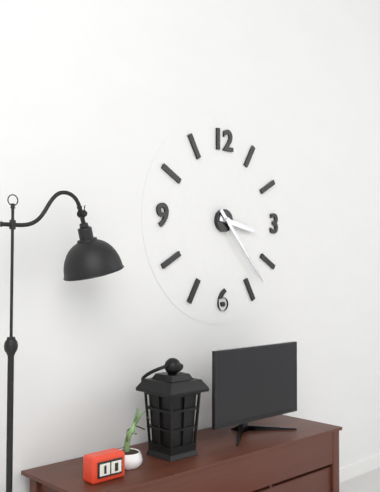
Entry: 3:23
